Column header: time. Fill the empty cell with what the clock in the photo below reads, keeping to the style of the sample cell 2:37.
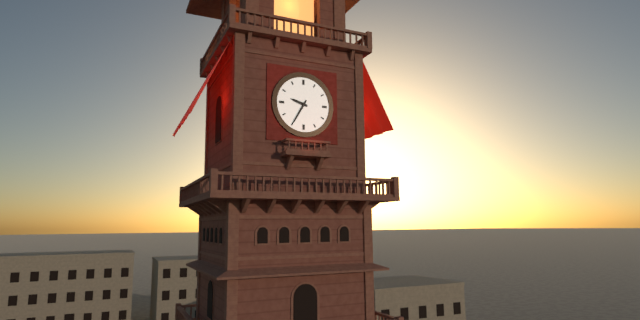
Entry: 9:35
